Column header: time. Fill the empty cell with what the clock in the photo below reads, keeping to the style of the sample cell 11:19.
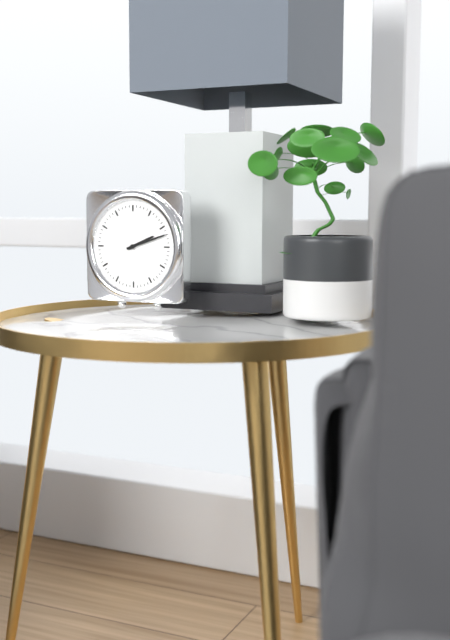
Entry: 2:12
